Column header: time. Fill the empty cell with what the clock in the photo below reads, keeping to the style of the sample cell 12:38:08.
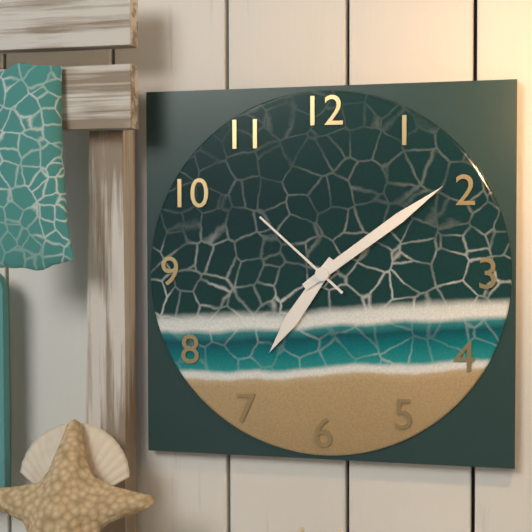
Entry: 7:09:52
